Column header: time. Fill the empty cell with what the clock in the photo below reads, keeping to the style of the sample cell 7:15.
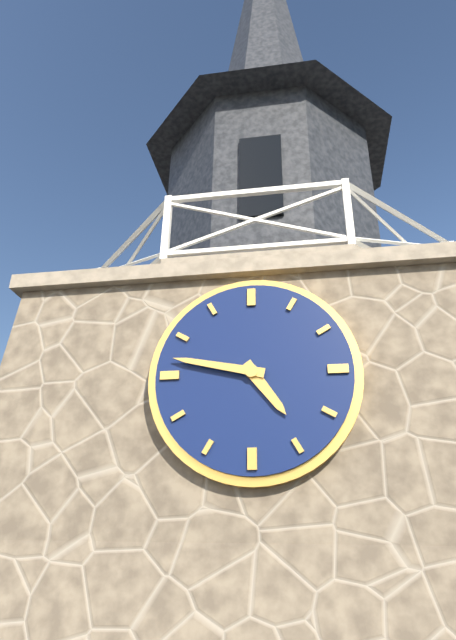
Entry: 4:47
